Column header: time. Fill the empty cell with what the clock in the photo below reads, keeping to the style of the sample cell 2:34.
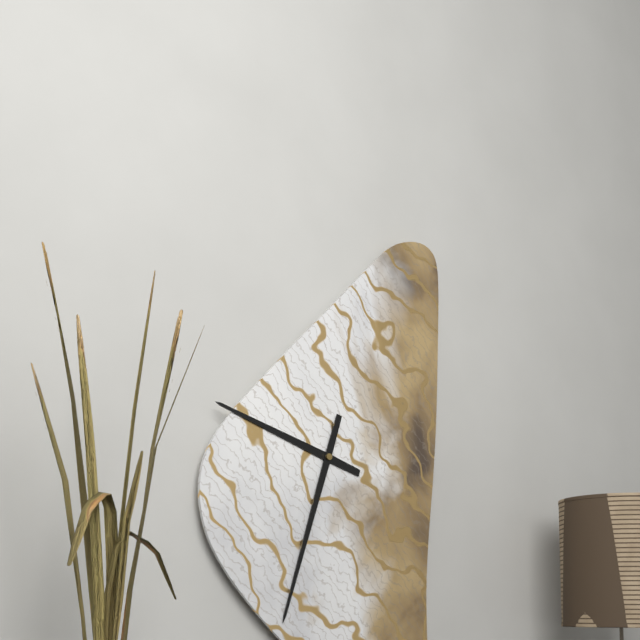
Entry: 9:33
